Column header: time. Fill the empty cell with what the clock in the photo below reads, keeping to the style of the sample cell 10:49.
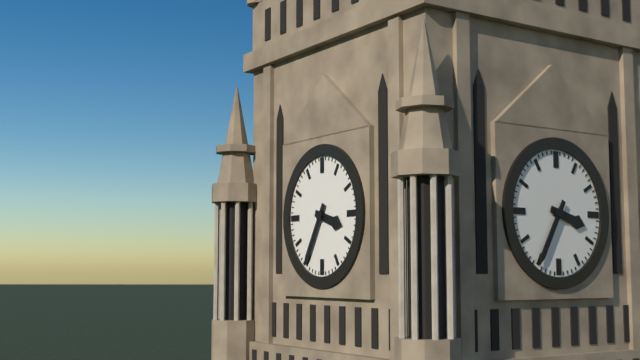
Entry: 3:35
